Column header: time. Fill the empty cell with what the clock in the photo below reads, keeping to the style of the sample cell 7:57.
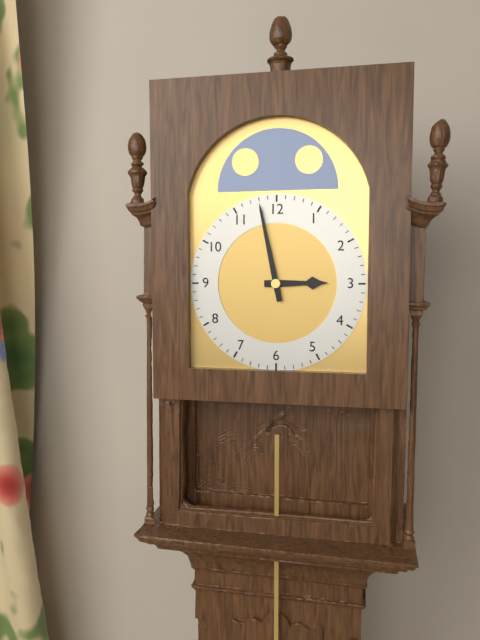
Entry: 2:58
